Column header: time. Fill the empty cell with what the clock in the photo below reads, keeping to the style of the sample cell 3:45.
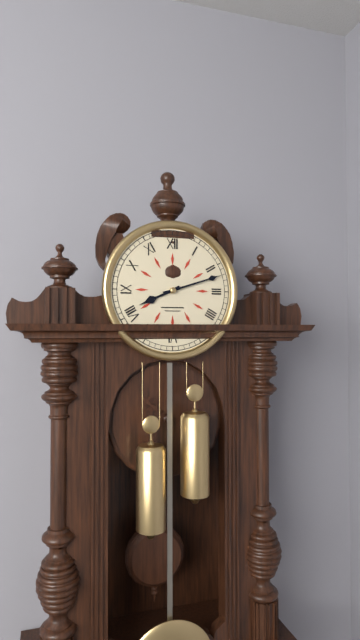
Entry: 8:12
